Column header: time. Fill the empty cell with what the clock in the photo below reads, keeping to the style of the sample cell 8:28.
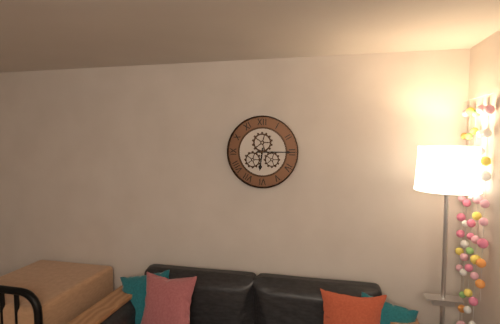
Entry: 6:15
